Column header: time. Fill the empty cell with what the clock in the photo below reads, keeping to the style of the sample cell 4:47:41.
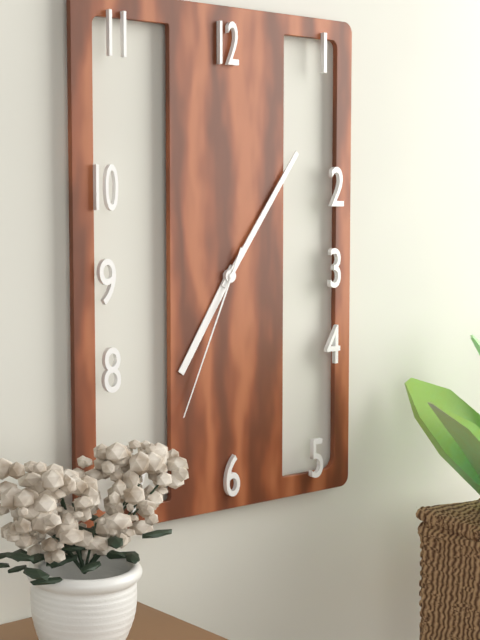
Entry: 7:06:34
